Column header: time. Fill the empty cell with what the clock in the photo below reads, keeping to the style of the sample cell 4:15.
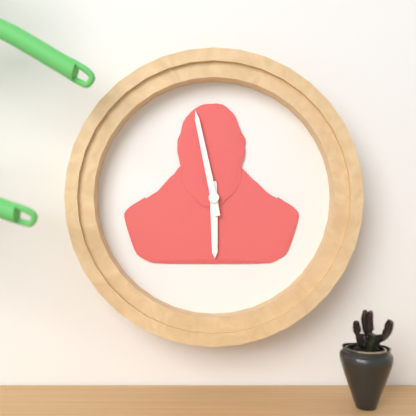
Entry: 5:58
